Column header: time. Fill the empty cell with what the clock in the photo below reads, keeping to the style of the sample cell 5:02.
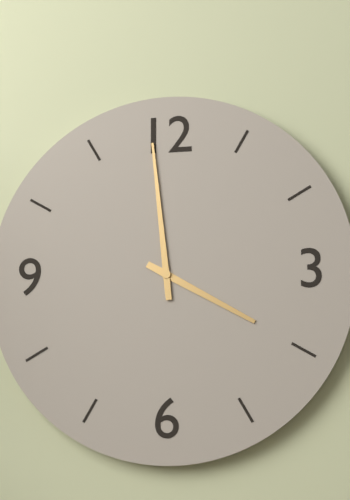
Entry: 3:59
